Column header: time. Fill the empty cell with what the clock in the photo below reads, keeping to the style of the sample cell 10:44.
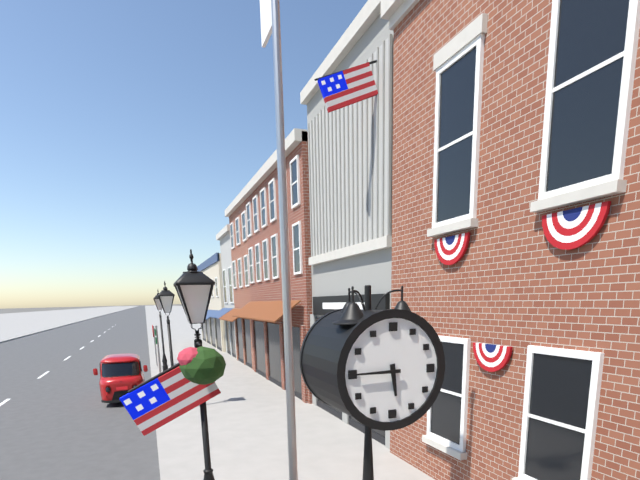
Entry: 5:45
